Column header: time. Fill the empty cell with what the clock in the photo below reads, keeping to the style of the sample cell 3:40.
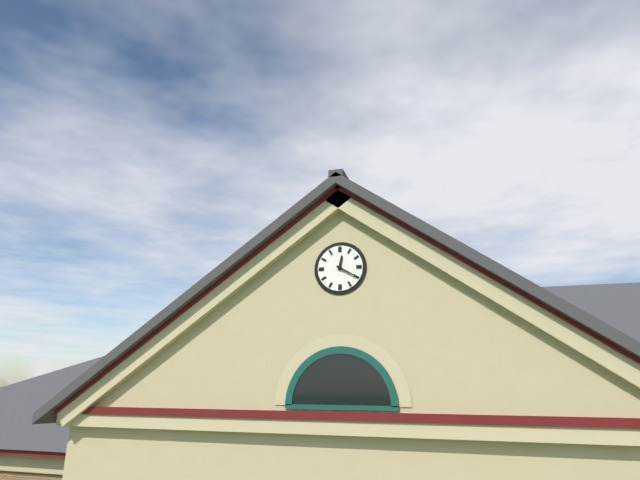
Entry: 12:20
